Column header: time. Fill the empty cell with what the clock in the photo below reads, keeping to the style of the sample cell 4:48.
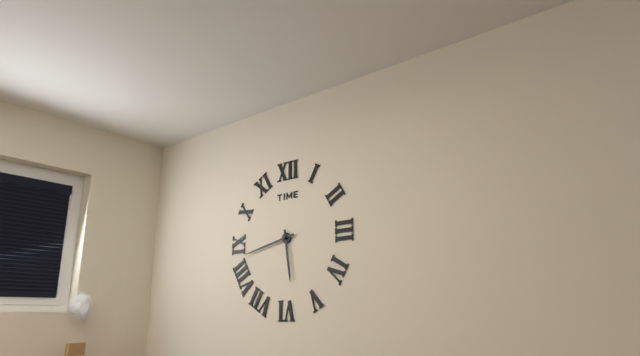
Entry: 5:43
